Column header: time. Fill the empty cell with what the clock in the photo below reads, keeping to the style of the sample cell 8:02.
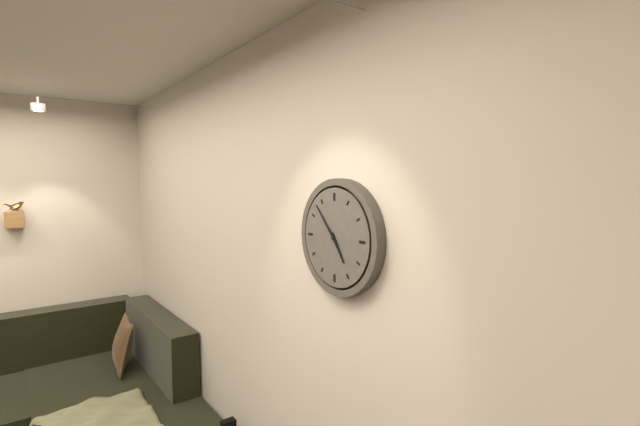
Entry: 4:53
